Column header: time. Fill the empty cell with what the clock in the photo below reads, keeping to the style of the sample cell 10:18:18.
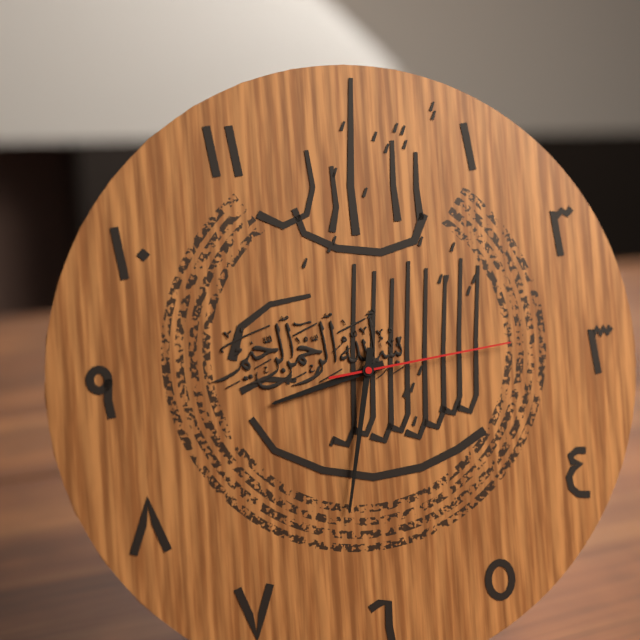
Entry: 8:32:14
